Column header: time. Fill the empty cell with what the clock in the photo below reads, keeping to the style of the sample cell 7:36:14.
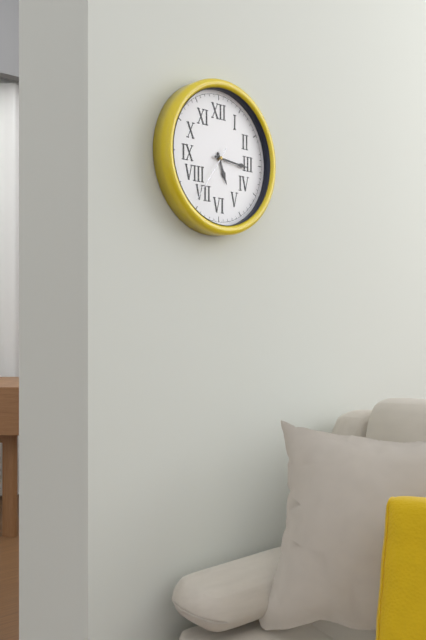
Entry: 5:16:36
